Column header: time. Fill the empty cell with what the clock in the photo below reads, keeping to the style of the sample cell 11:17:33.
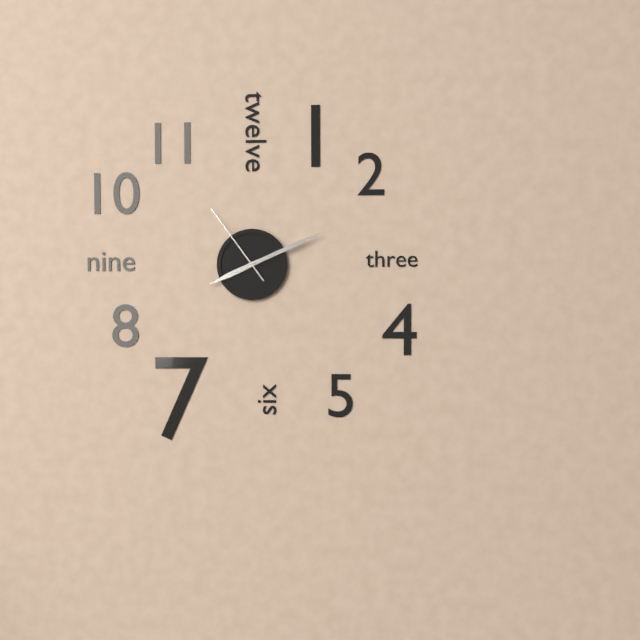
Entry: 8:11:54
